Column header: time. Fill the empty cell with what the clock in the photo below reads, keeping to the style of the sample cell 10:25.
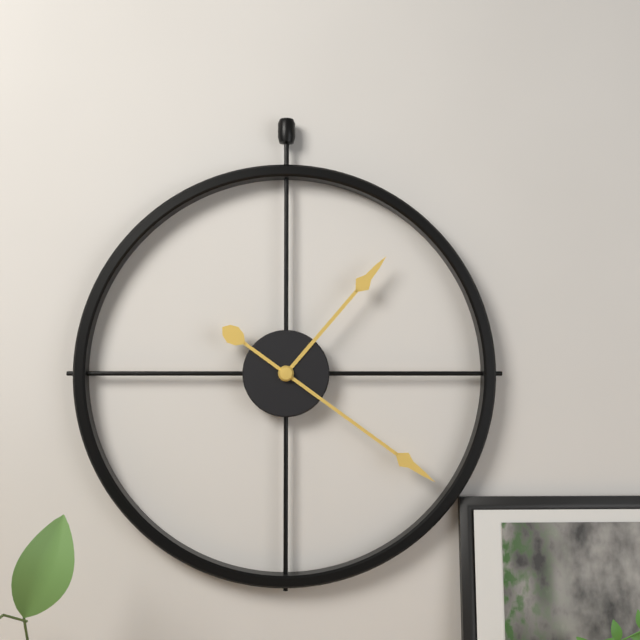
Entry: 1:21
